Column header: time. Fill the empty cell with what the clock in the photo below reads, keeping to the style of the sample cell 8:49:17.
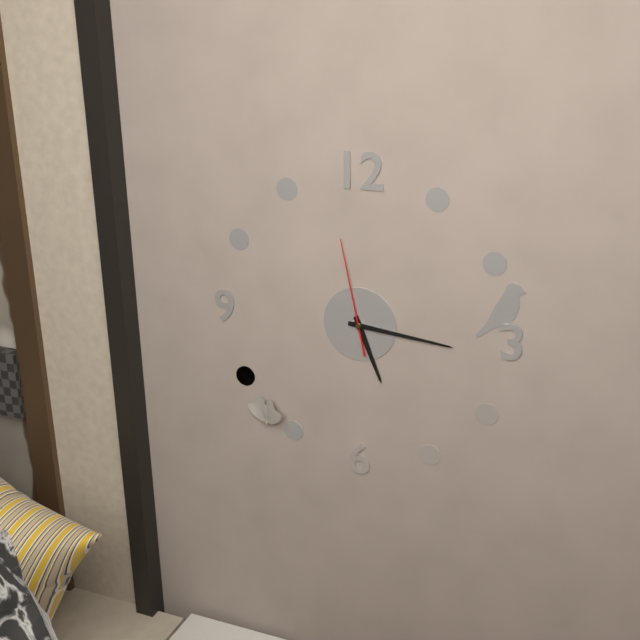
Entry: 5:16:58
